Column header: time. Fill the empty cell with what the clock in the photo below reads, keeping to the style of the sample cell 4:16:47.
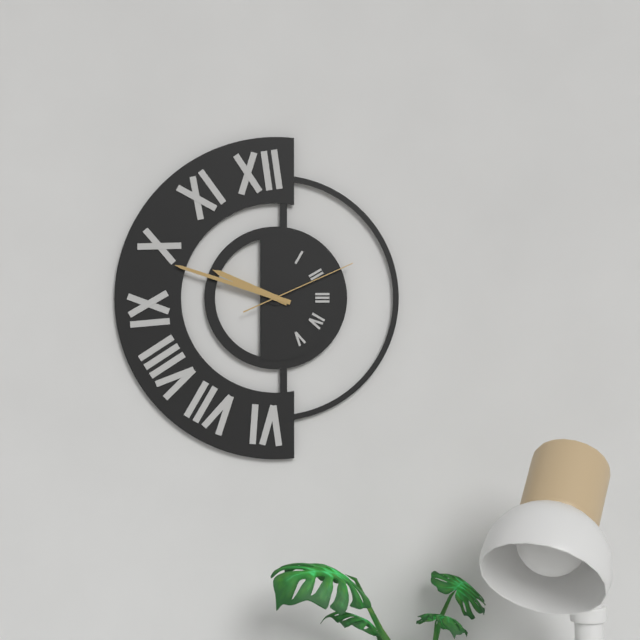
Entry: 9:48:11
